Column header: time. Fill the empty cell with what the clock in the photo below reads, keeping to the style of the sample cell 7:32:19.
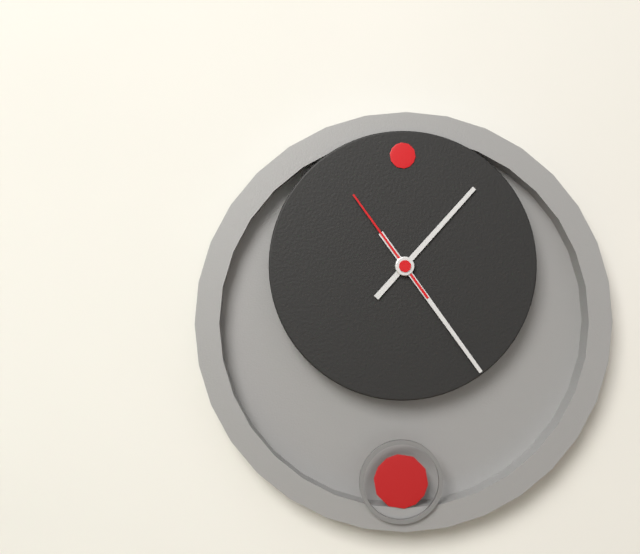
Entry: 1:24:54
